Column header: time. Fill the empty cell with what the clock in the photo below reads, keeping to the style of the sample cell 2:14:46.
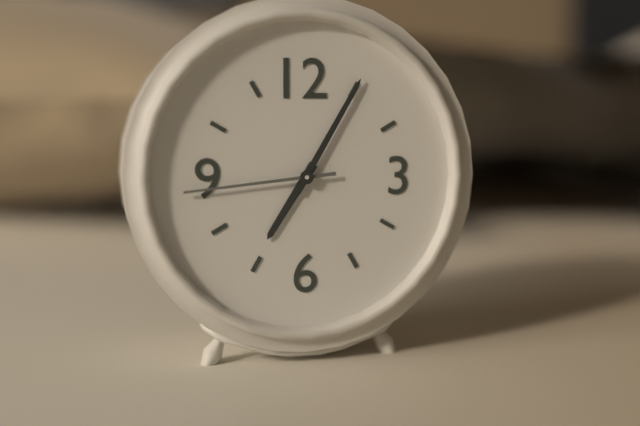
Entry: 7:05:44
